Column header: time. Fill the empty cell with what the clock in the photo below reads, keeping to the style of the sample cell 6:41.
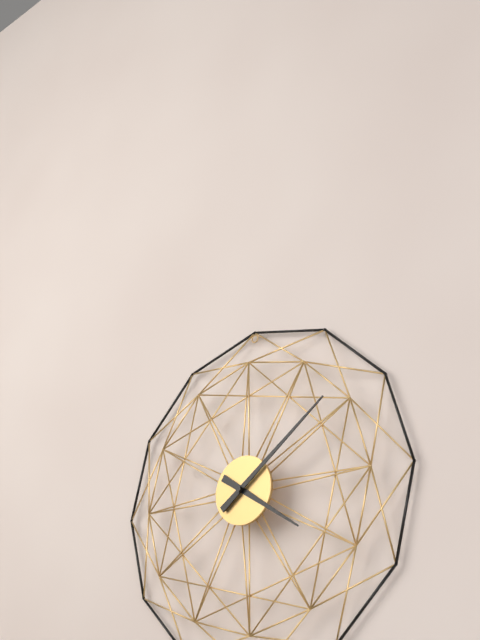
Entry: 4:09
